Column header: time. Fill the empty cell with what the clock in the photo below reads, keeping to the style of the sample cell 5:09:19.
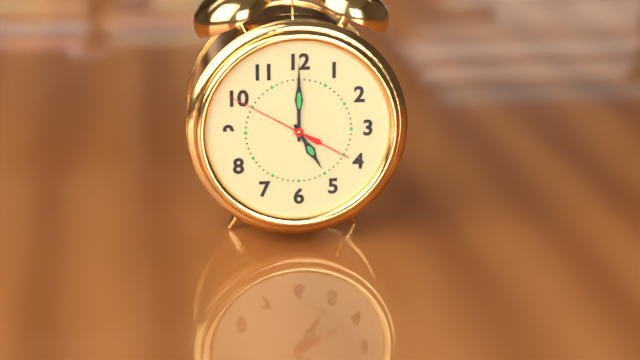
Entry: 5:00:50
